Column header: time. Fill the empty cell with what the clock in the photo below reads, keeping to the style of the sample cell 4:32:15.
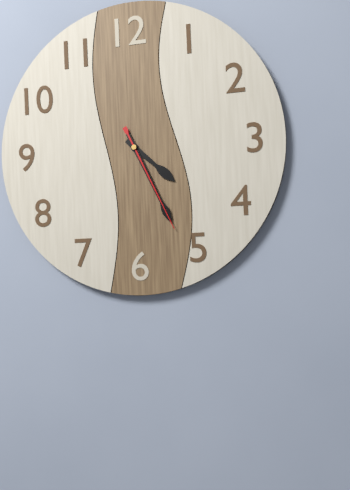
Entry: 4:26:26
